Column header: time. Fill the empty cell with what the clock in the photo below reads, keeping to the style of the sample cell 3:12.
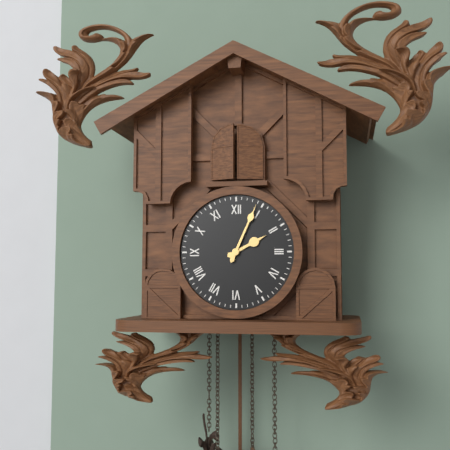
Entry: 2:04
